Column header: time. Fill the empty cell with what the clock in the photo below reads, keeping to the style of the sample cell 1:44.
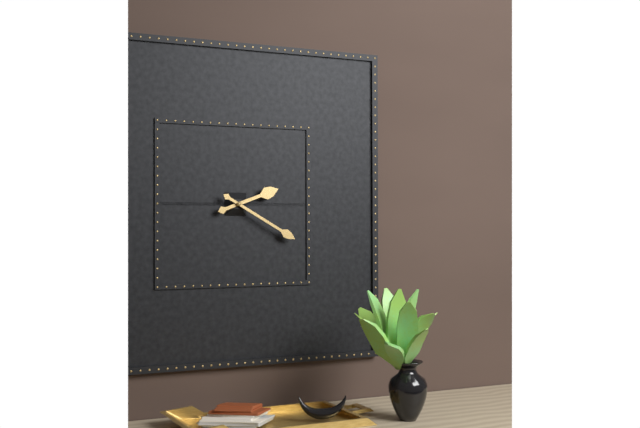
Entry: 2:20
